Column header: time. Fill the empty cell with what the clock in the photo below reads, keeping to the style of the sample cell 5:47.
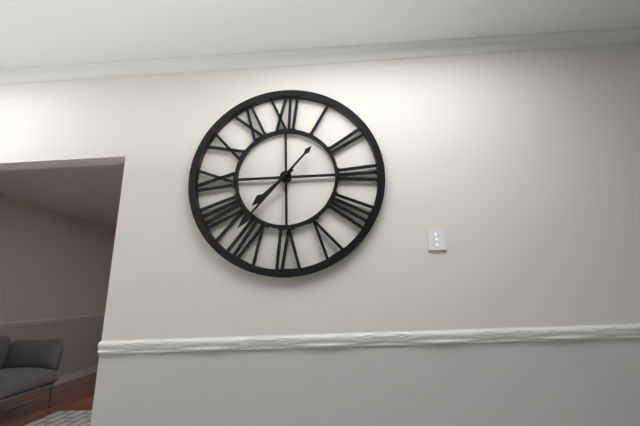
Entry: 7:37
